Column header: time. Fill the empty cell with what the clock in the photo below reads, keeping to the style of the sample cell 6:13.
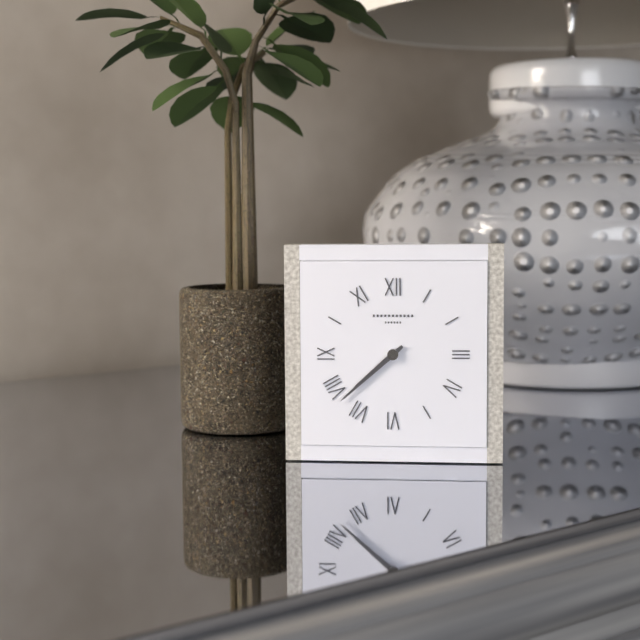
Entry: 7:38
